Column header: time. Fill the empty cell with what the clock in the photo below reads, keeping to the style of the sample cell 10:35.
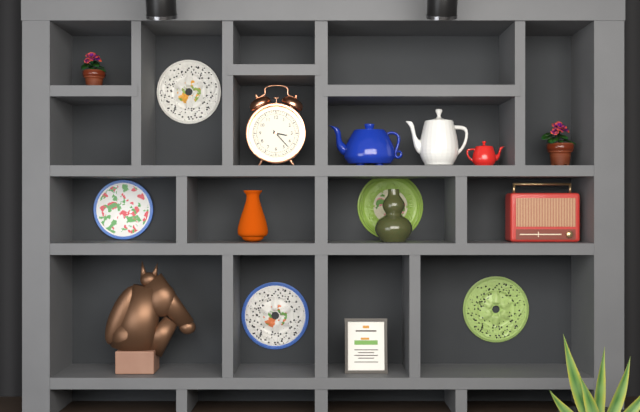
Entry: 3:23
